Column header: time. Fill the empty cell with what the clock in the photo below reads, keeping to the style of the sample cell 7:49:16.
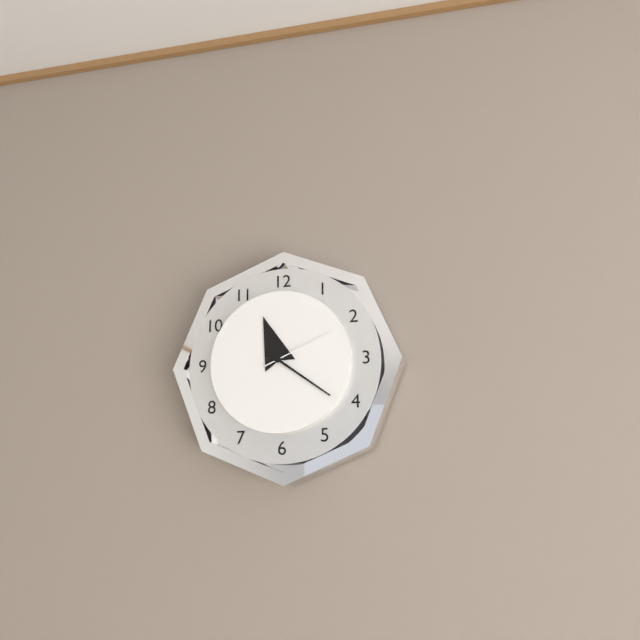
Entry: 11:21:11
